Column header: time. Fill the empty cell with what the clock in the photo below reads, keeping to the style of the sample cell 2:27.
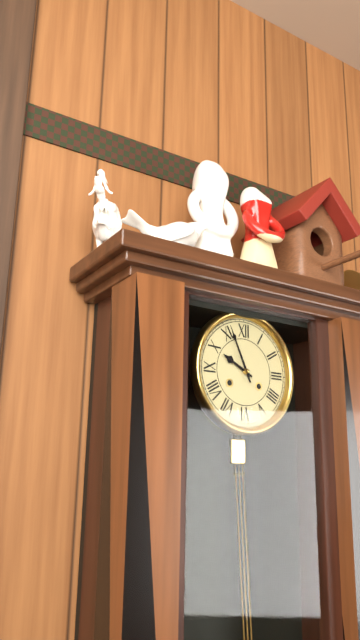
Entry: 9:56
